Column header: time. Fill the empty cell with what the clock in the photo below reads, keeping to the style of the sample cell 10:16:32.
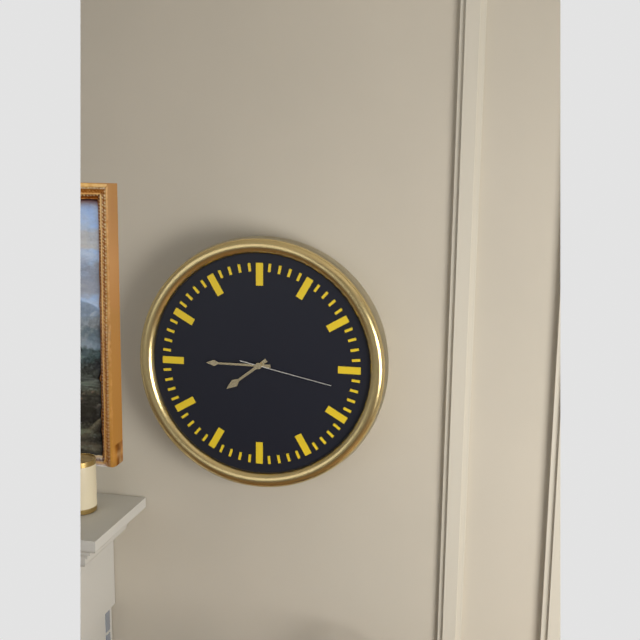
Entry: 7:45:17
